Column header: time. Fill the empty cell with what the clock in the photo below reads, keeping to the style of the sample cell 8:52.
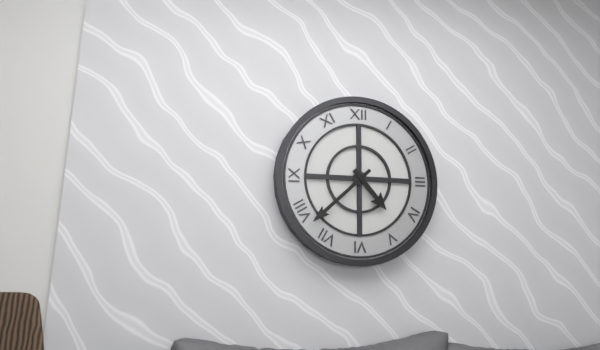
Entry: 4:38
